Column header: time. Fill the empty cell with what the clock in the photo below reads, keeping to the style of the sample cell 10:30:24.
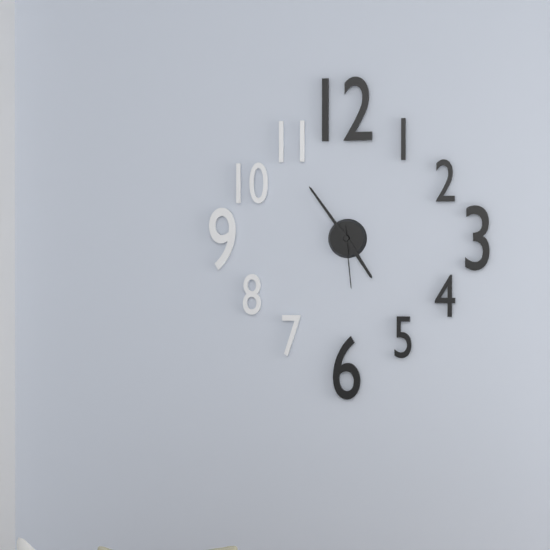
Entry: 4:54:29
